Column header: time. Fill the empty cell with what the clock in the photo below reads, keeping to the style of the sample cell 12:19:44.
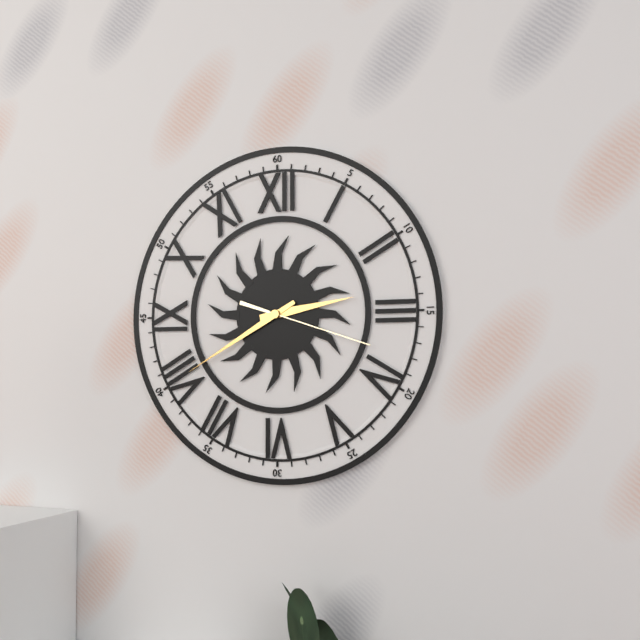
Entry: 2:40:18
